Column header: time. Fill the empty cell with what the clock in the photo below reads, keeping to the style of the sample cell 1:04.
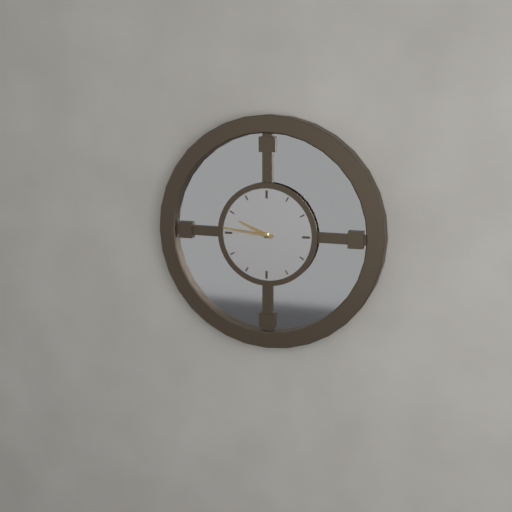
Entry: 9:46
